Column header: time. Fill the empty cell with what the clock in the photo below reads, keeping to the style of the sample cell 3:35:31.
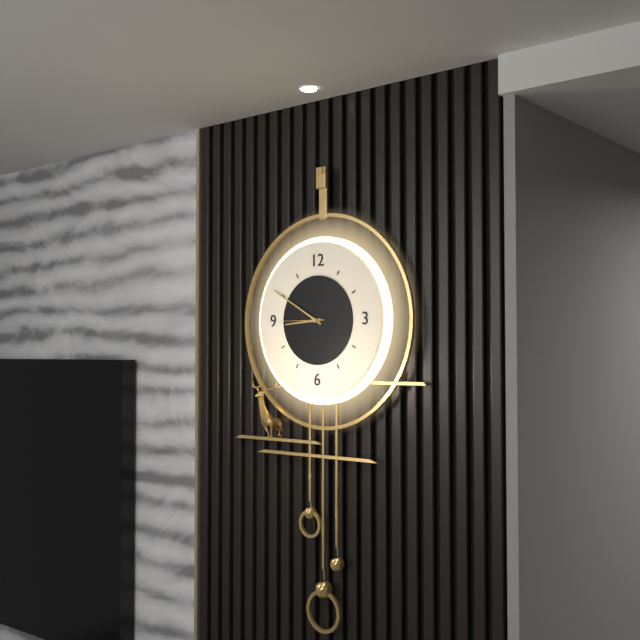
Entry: 8:50:45
